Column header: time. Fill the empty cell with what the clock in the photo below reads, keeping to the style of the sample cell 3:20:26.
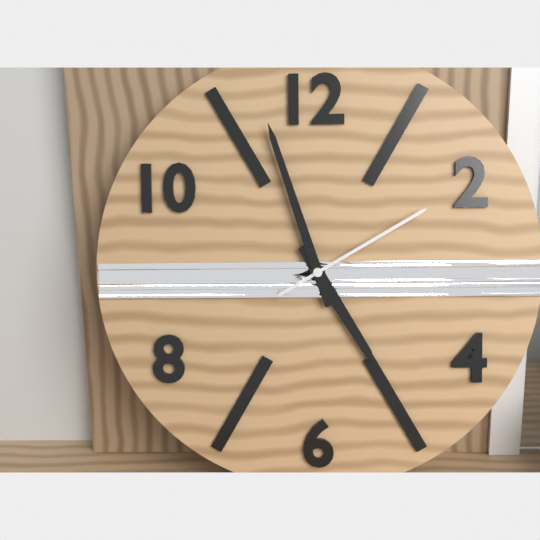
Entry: 4:57:10
